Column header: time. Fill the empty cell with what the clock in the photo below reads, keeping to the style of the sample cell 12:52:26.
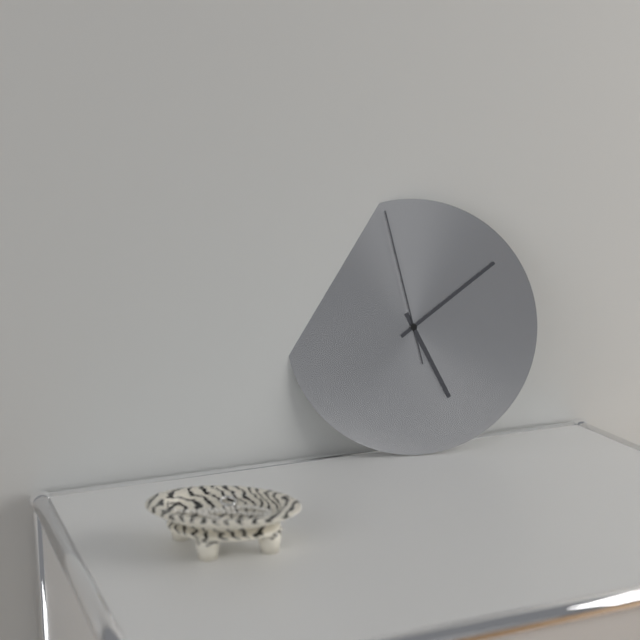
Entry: 5:09:58
